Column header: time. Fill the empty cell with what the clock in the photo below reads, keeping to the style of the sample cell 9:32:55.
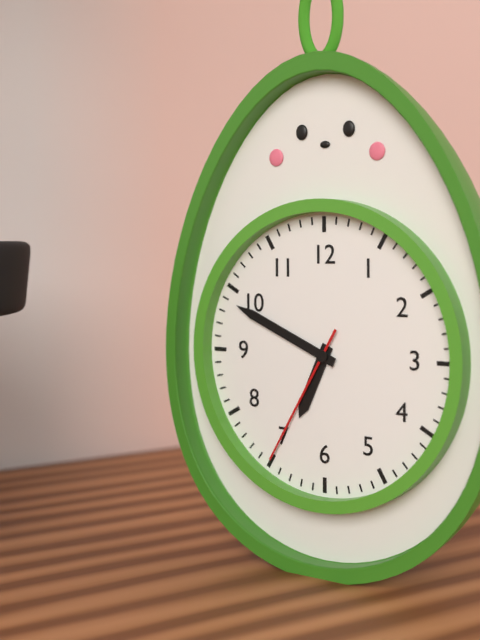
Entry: 6:49:35
